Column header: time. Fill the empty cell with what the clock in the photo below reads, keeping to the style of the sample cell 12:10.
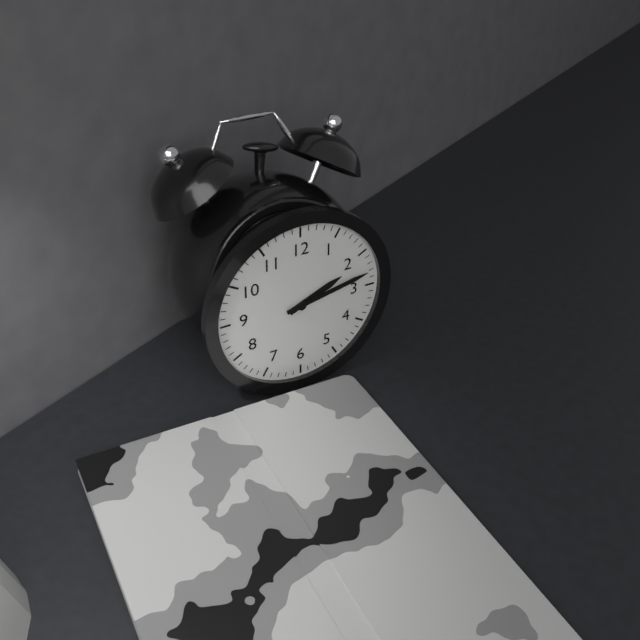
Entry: 2:13
